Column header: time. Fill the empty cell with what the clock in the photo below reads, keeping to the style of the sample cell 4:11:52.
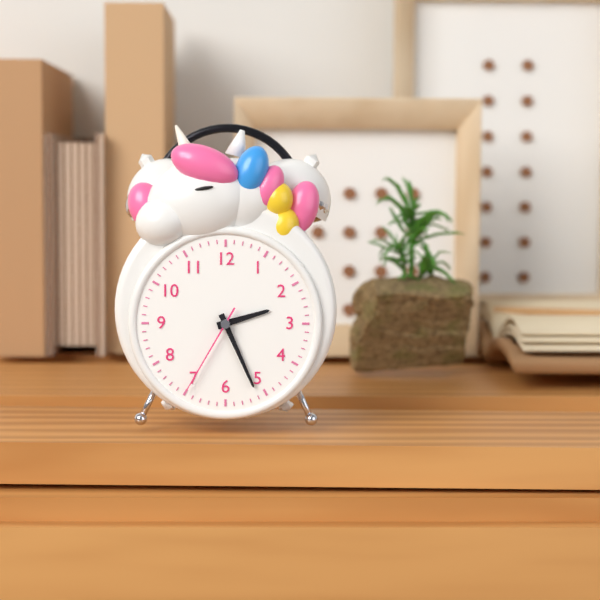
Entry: 2:26:35
